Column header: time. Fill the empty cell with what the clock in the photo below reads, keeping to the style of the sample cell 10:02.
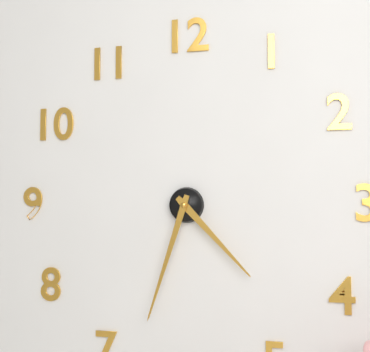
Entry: 4:33
